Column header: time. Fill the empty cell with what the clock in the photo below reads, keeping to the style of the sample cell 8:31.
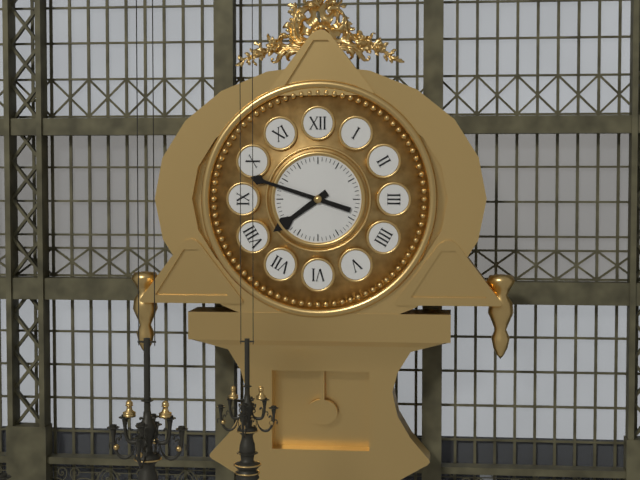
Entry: 7:48
